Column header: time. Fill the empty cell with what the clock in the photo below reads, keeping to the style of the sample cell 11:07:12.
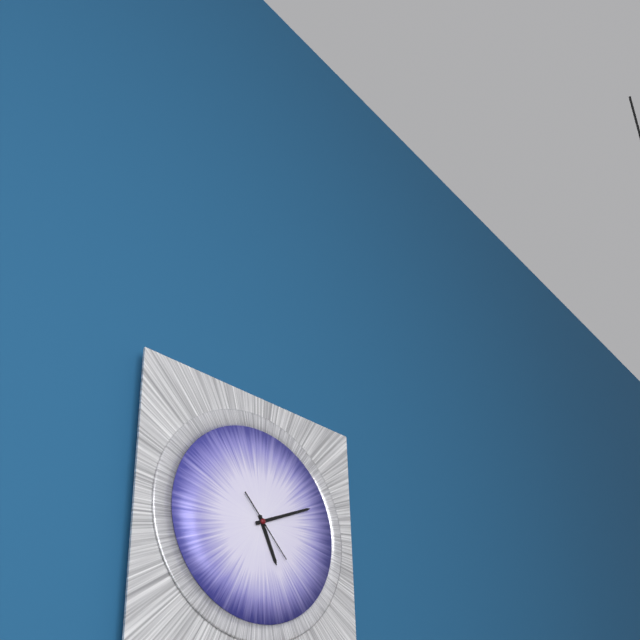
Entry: 5:11:23
